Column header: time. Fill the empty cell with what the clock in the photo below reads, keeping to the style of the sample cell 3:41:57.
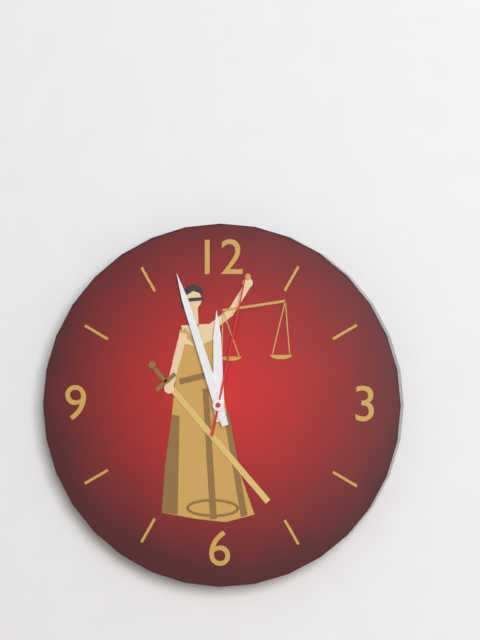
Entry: 11:57:02
